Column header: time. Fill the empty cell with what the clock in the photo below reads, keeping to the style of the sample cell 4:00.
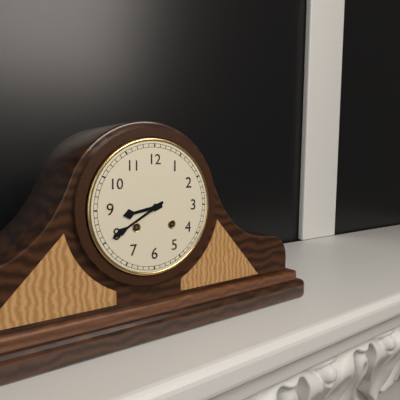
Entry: 8:40
